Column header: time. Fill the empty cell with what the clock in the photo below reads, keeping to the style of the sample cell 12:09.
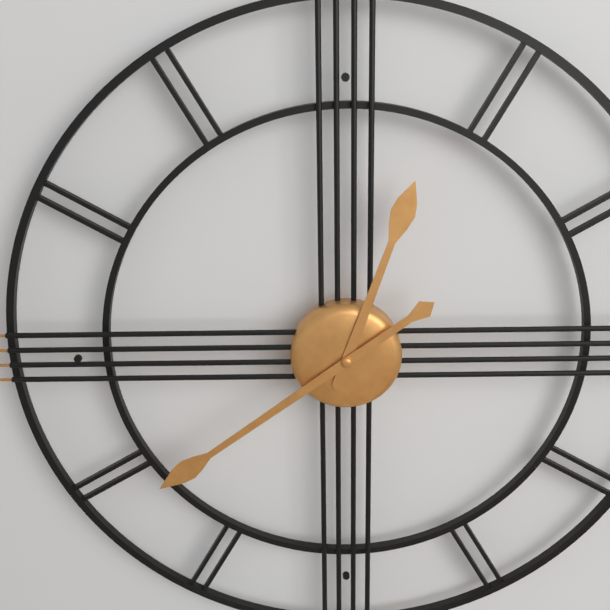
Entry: 12:39
